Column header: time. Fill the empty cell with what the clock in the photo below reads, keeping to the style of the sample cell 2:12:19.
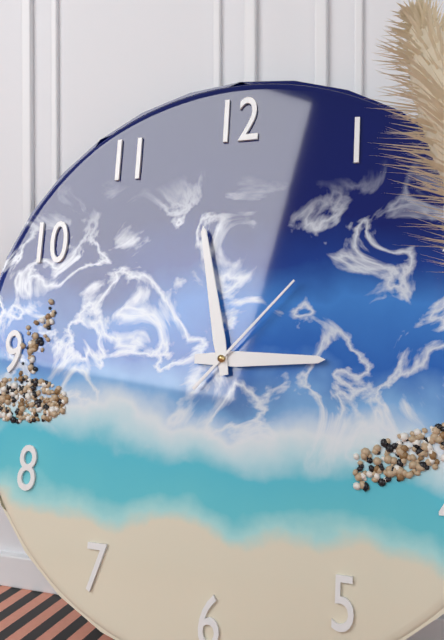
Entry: 2:58:07
